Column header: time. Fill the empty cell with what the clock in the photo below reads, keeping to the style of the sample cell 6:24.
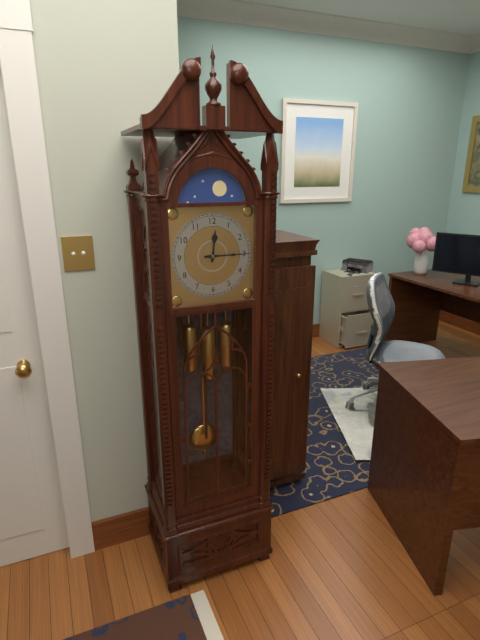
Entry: 12:15
